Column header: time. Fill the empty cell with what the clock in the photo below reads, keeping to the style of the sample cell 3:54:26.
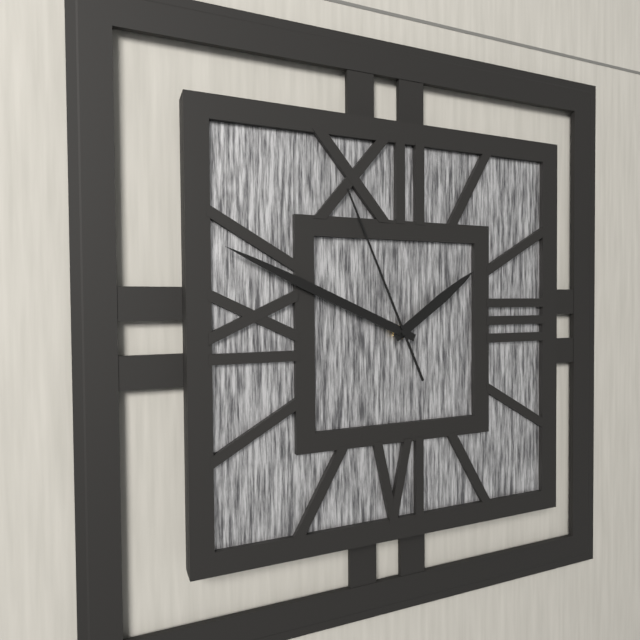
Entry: 1:49:56
